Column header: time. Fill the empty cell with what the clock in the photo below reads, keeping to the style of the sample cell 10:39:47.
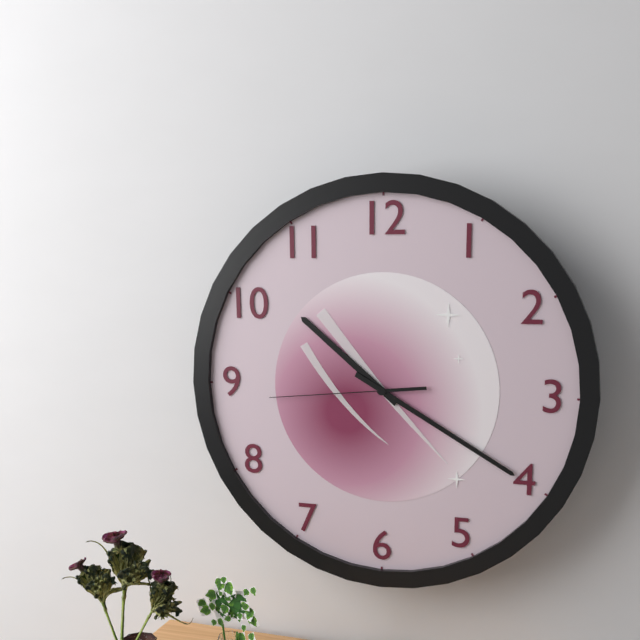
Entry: 10:20:44
